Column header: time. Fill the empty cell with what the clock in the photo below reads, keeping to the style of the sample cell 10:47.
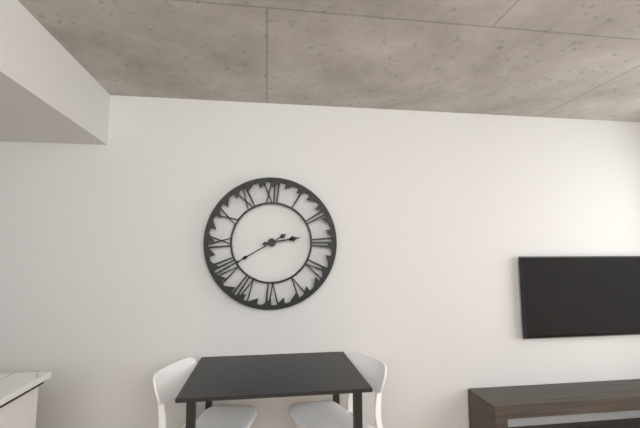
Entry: 2:40
